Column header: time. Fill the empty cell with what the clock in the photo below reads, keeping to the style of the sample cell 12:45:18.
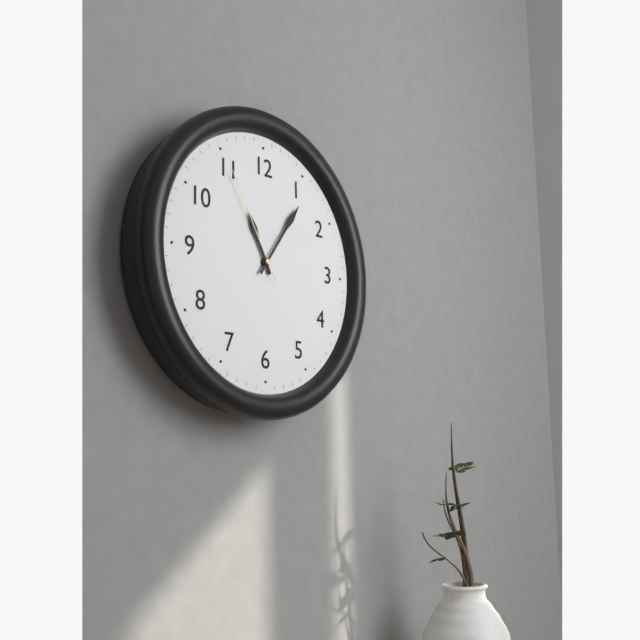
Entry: 11:06:55
